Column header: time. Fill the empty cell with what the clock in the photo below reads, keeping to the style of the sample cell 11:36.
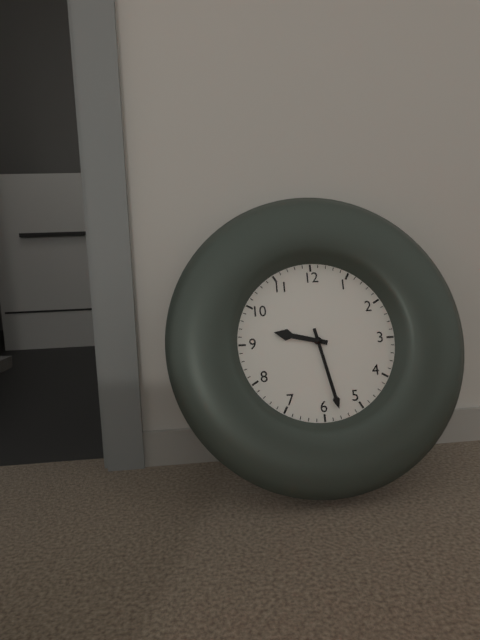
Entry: 9:28
